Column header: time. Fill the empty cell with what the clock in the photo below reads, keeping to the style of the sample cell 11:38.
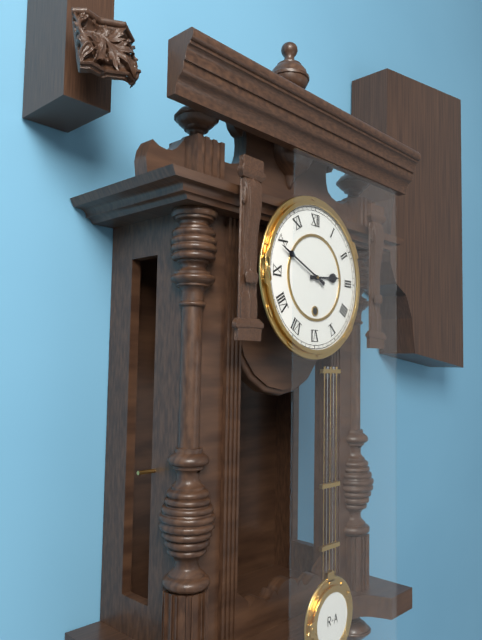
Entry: 2:49
